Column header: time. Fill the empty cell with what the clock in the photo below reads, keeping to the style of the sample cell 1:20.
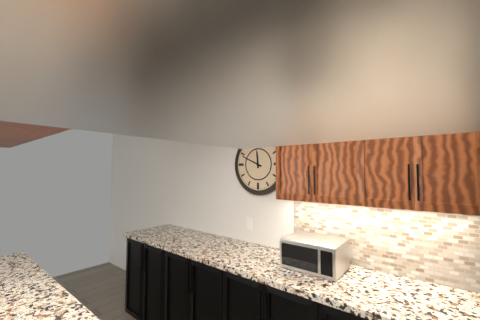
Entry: 11:49
